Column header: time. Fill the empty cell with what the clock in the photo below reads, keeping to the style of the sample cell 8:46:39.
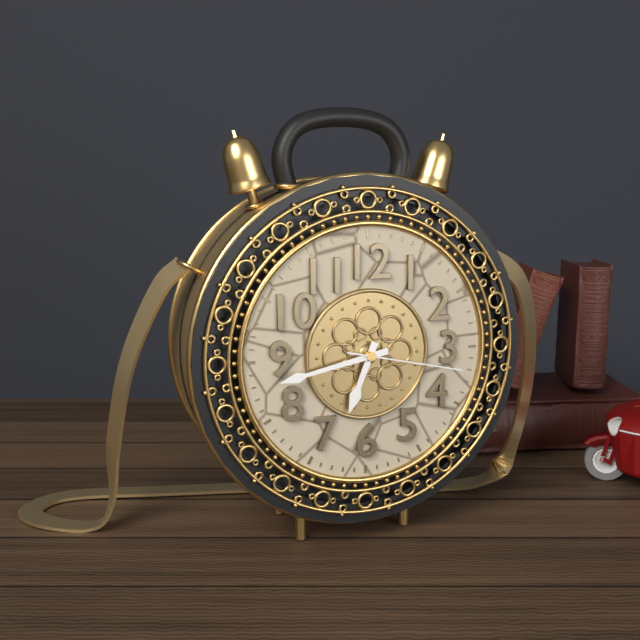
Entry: 6:43:17
